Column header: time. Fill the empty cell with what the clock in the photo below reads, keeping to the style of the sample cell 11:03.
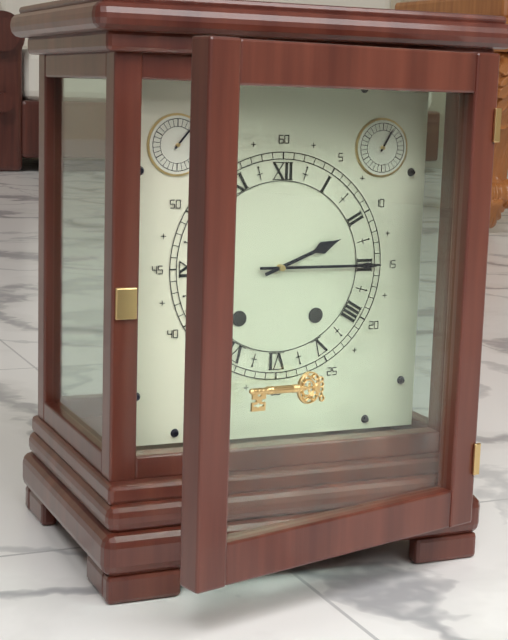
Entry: 2:15
